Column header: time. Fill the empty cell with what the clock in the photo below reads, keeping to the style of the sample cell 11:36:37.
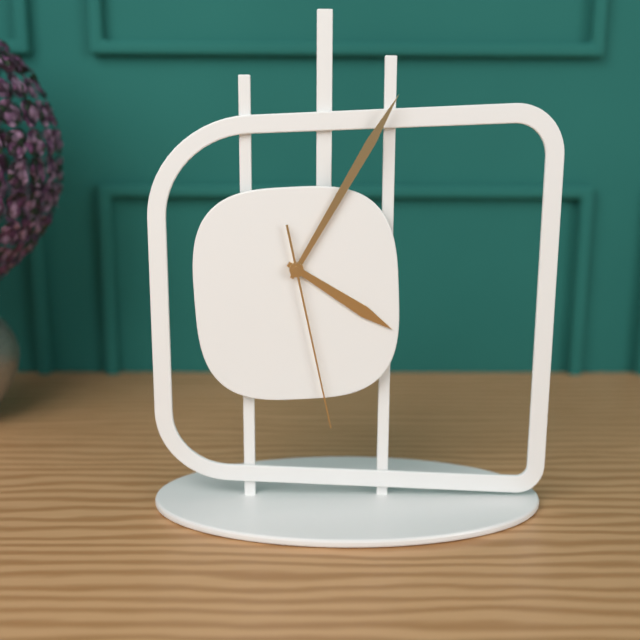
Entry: 4:05:28
